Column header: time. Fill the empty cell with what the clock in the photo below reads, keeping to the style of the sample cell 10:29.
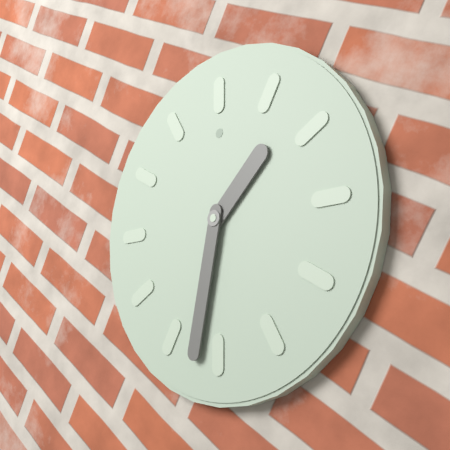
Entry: 1:32
